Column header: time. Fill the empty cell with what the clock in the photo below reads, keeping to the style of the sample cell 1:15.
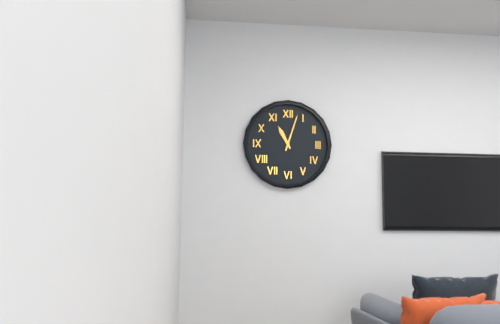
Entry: 11:03
